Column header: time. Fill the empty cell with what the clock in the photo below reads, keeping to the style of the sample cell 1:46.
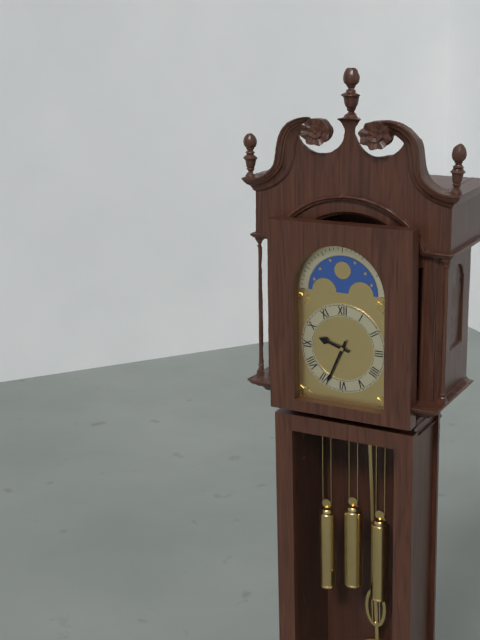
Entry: 9:34
